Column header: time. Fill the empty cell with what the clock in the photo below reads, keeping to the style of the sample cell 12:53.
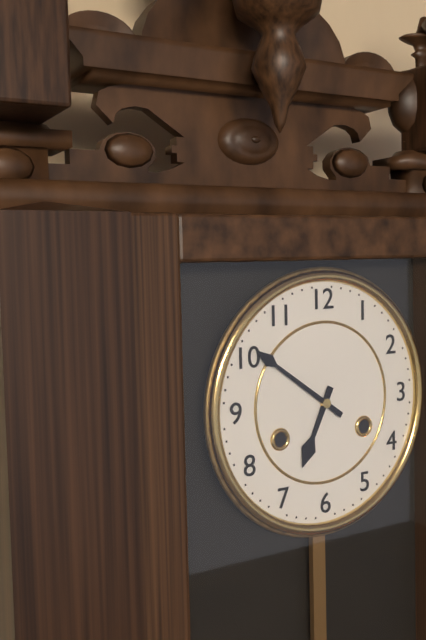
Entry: 6:51
